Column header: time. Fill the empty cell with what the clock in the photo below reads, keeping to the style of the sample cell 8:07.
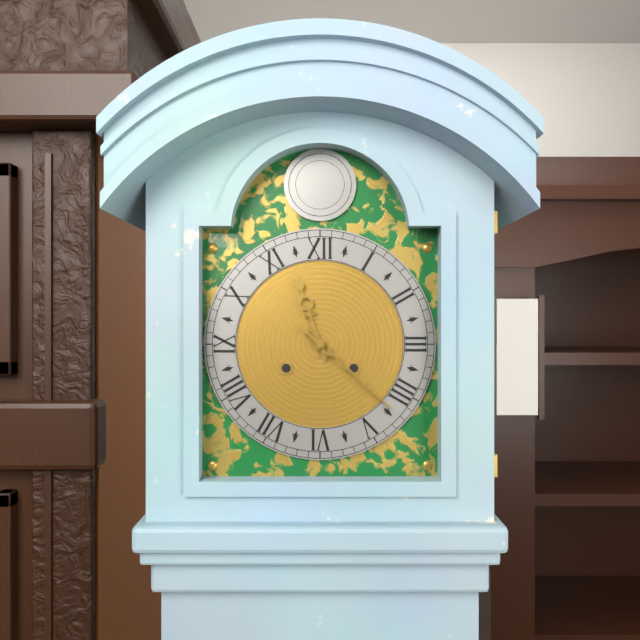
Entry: 11:22
